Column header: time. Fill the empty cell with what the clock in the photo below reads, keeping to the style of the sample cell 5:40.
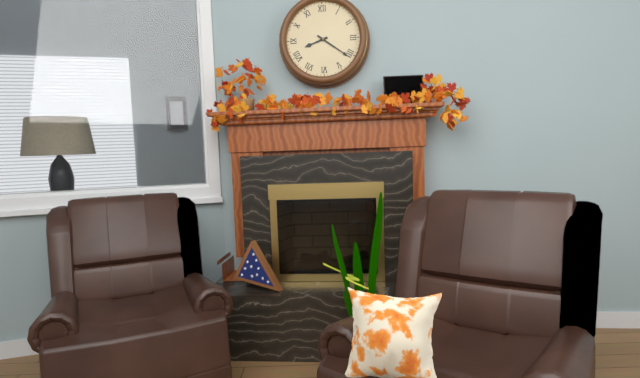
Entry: 8:21
